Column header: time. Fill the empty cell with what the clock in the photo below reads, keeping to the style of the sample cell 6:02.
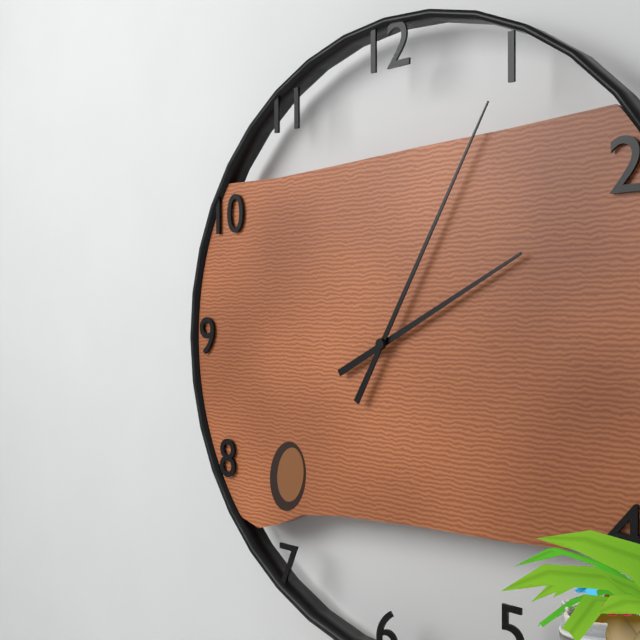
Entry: 2:05
